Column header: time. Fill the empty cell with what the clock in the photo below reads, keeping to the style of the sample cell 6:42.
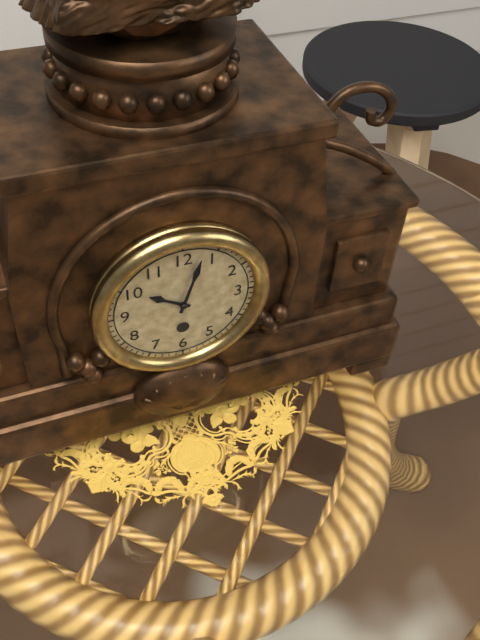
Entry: 10:03
